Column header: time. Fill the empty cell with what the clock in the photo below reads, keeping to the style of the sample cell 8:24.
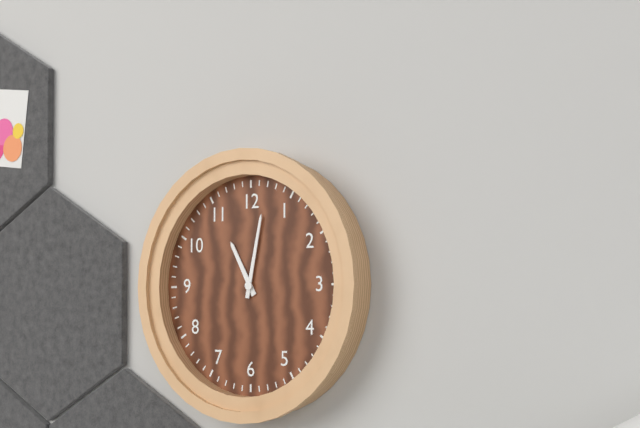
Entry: 11:02
